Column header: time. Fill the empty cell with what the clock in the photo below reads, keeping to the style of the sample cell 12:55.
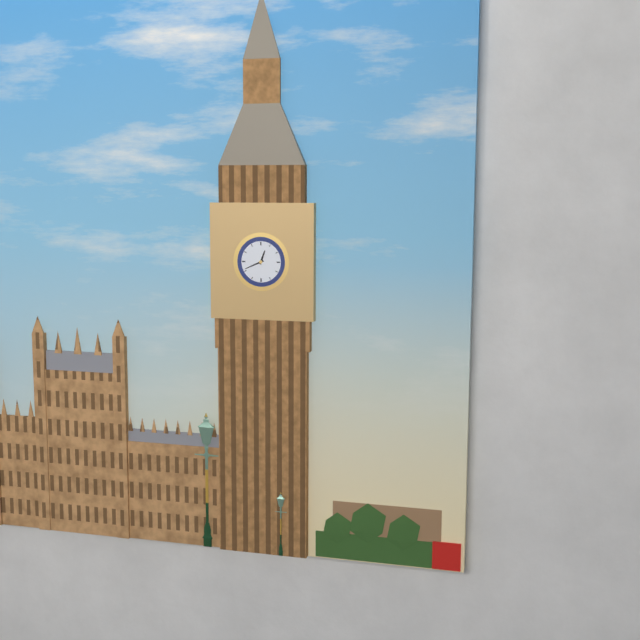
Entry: 12:41
